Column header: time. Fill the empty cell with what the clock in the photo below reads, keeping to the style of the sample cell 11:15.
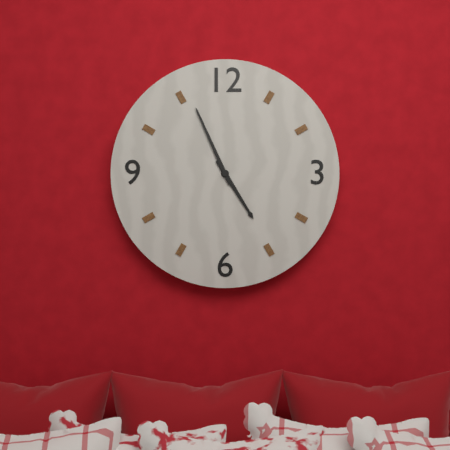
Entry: 4:56
